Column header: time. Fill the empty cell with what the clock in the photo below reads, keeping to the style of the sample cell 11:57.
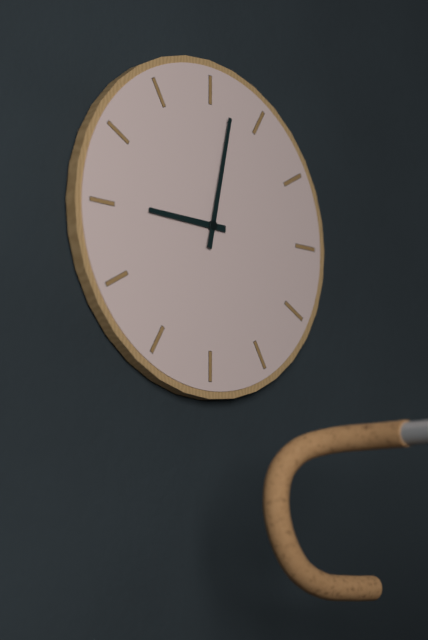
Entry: 9:02
